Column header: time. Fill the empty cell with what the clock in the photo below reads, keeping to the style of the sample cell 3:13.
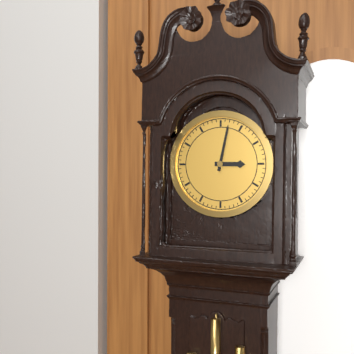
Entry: 3:02
